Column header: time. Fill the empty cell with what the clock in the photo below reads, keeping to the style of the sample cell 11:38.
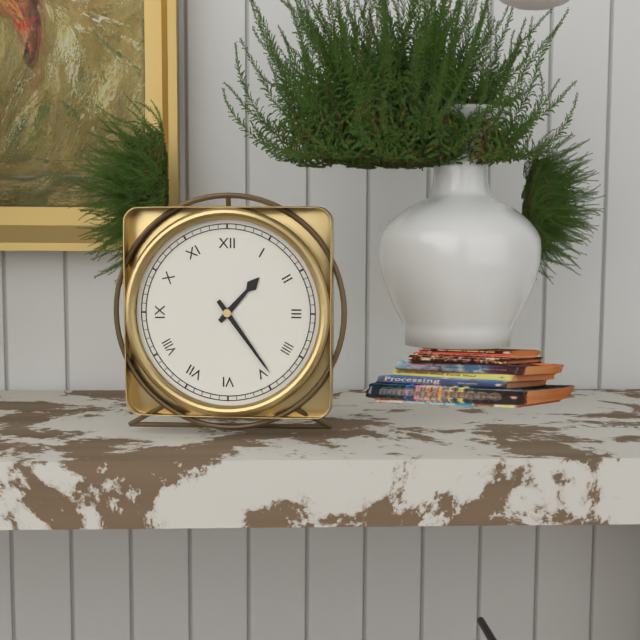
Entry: 1:24
